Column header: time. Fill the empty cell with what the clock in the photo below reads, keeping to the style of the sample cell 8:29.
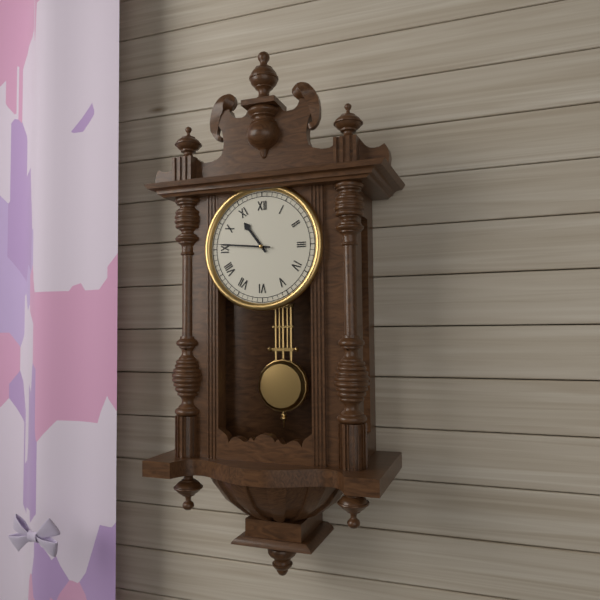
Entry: 10:46
